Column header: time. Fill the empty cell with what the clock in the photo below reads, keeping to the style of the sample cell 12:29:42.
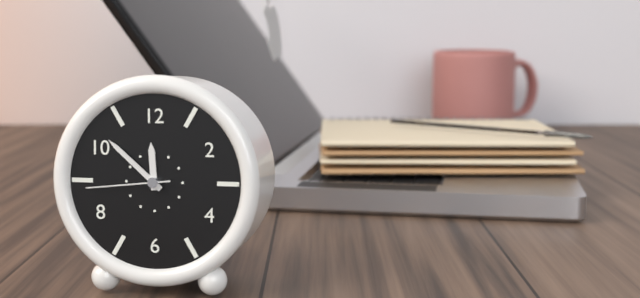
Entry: 11:52:44
